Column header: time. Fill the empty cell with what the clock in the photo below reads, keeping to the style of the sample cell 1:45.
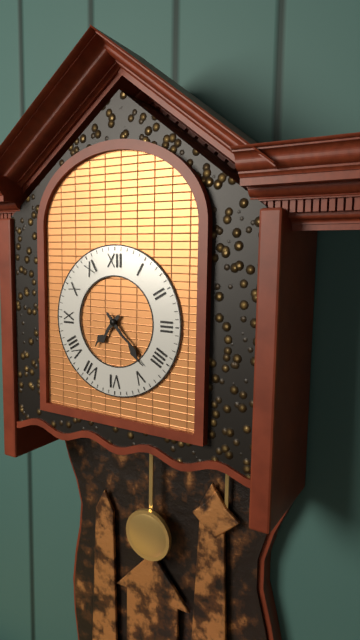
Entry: 7:23
